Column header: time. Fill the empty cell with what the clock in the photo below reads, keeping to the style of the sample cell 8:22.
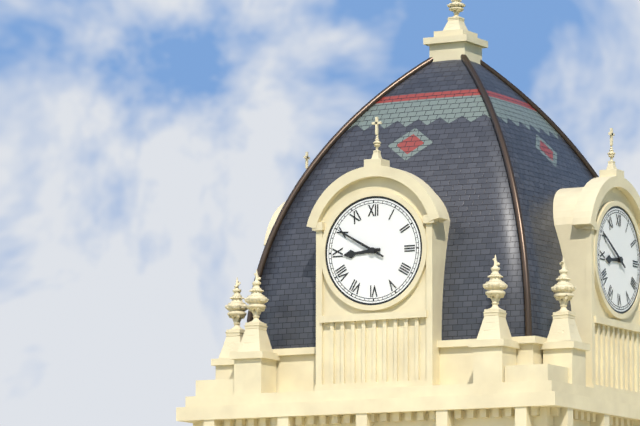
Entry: 8:50
